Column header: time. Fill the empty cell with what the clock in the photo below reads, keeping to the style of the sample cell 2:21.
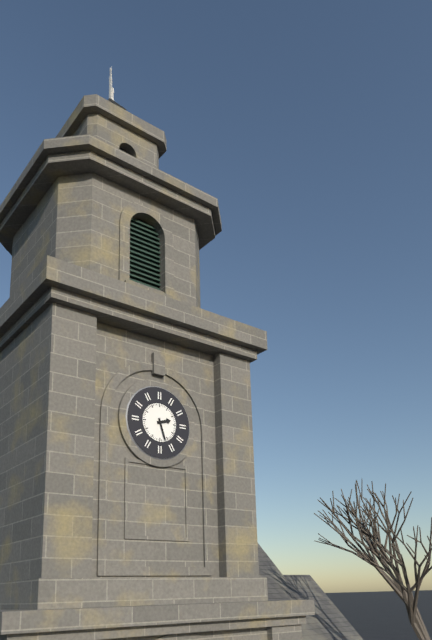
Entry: 2:27
